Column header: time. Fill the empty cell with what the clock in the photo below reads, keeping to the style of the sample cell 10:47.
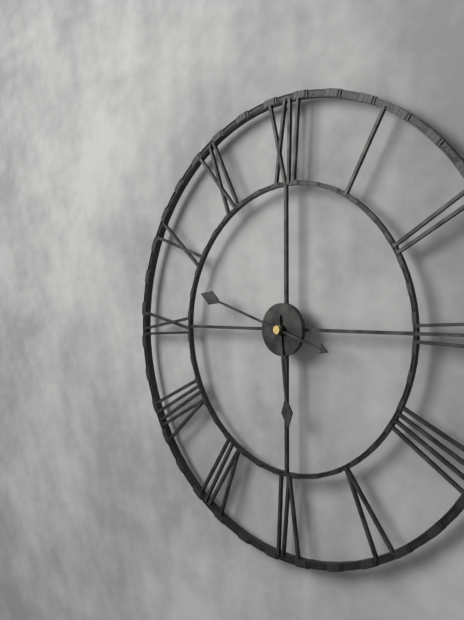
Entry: 5:48
